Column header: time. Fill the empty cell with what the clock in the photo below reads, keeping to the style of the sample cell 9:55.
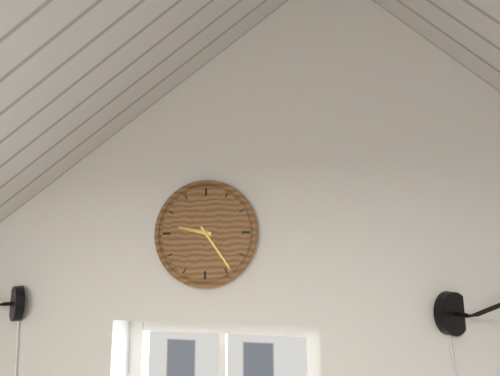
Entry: 9:24
